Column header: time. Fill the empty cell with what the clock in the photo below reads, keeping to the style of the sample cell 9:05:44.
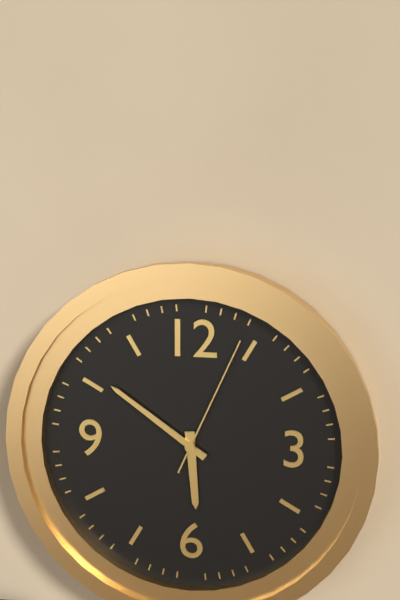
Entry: 5:51:04
